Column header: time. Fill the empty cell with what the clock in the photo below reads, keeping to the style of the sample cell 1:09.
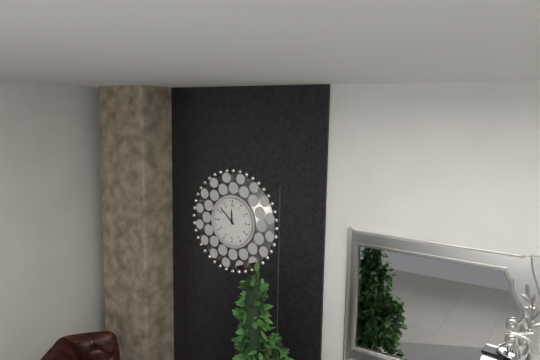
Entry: 11:52
